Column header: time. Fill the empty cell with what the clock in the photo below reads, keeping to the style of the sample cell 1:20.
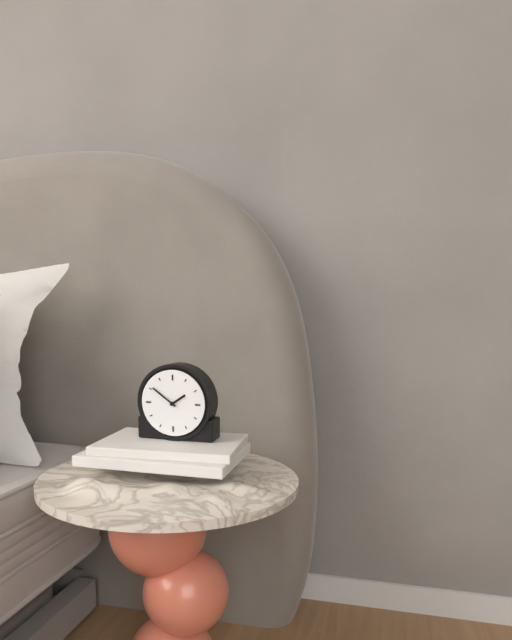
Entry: 1:51
